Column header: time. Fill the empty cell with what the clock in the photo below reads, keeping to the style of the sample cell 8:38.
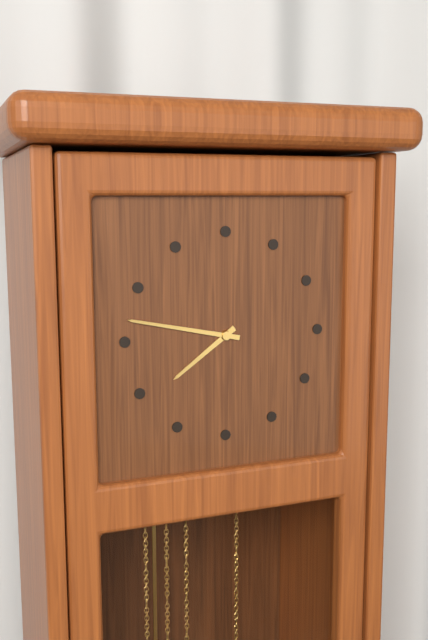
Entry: 7:47
